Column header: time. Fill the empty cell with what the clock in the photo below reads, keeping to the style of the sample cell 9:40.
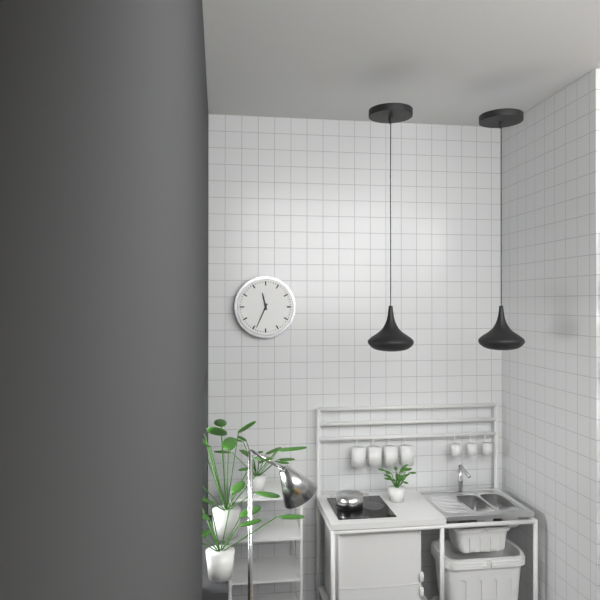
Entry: 11:34
